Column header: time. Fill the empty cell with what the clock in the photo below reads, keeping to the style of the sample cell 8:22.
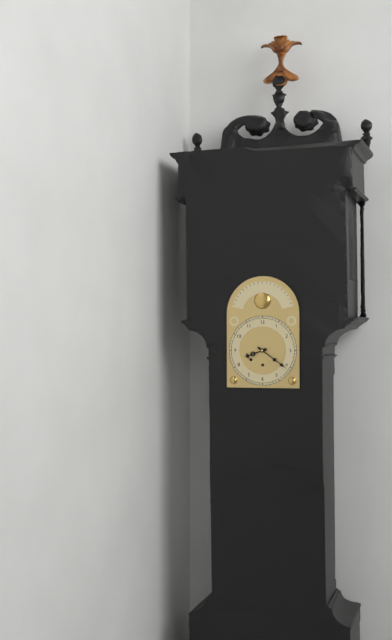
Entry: 8:21
